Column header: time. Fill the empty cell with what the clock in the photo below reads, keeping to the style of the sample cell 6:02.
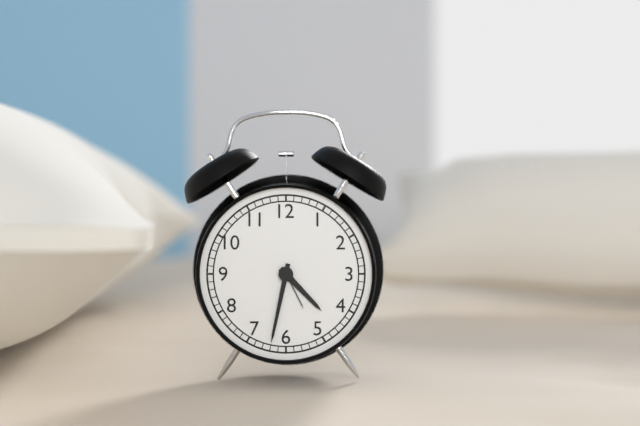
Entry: 4:32
